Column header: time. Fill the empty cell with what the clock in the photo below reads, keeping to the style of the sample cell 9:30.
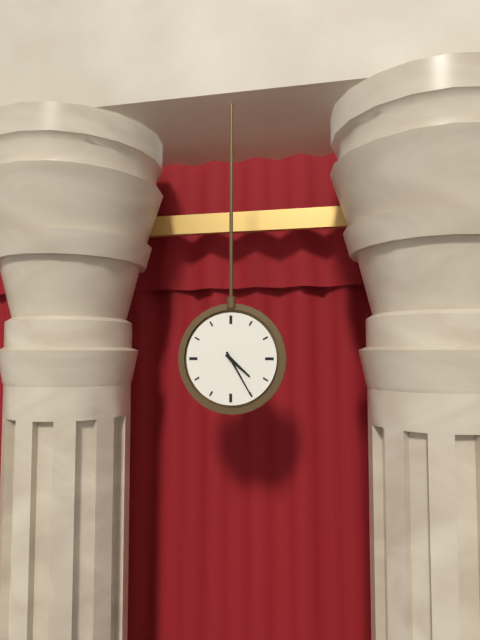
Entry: 4:25
